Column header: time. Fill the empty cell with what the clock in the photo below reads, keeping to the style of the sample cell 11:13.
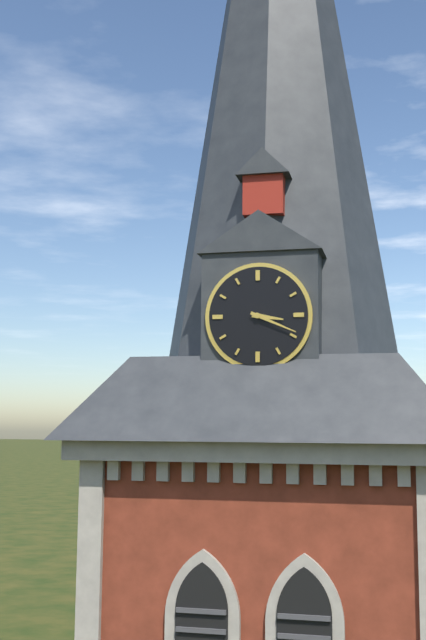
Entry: 3:19
